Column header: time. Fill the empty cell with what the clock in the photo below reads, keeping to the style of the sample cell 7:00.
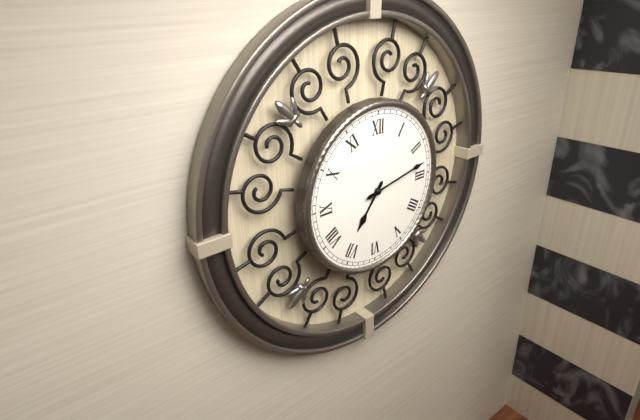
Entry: 7:13
